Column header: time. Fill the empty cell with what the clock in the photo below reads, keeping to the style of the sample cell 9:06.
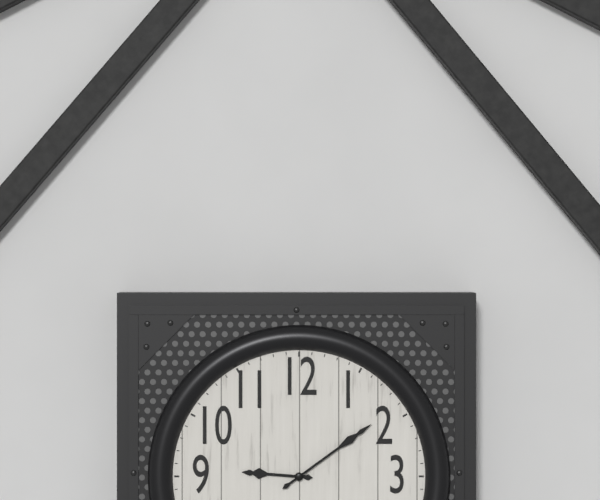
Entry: 9:09
